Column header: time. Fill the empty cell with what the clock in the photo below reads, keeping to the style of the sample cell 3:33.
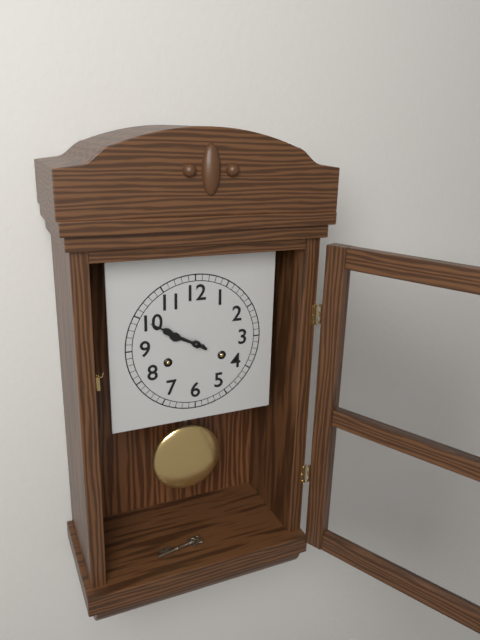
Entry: 9:50
